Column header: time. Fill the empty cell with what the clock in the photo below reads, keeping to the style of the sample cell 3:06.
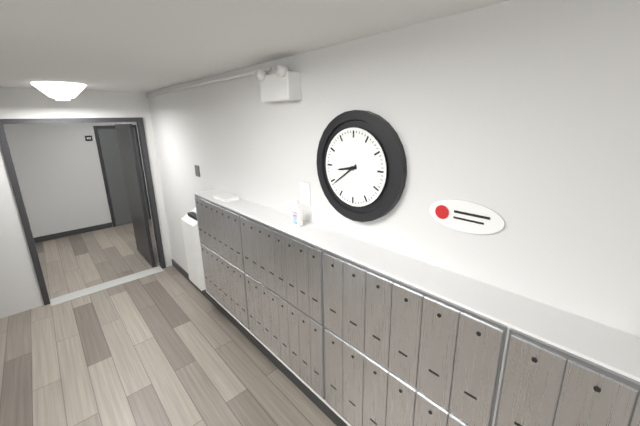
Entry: 8:39
